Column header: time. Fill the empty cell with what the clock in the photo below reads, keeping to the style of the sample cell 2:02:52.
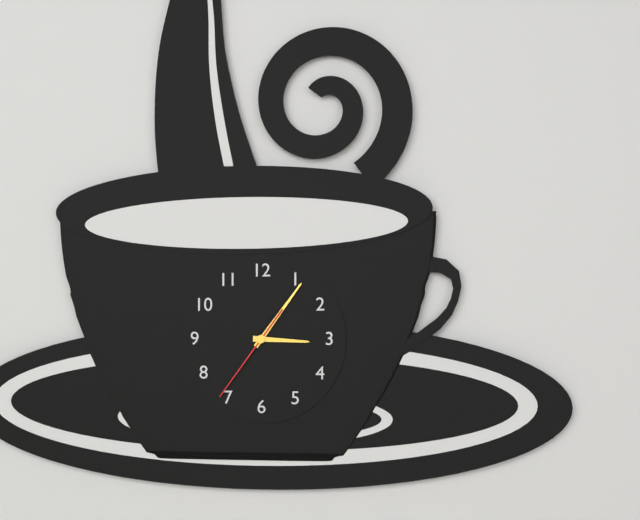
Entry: 3:06:36
